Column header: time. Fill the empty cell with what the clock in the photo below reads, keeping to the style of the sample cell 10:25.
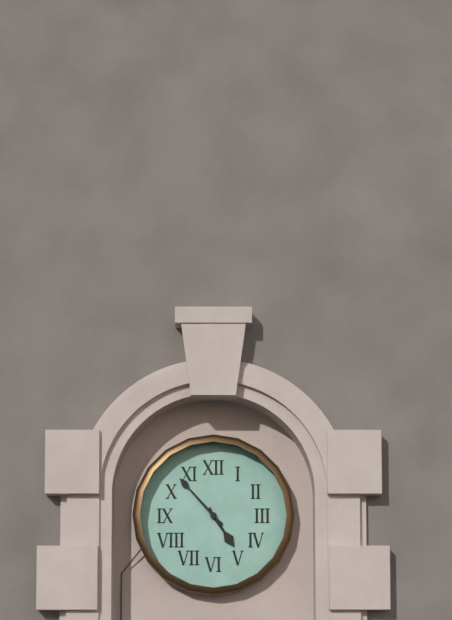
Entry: 4:53
